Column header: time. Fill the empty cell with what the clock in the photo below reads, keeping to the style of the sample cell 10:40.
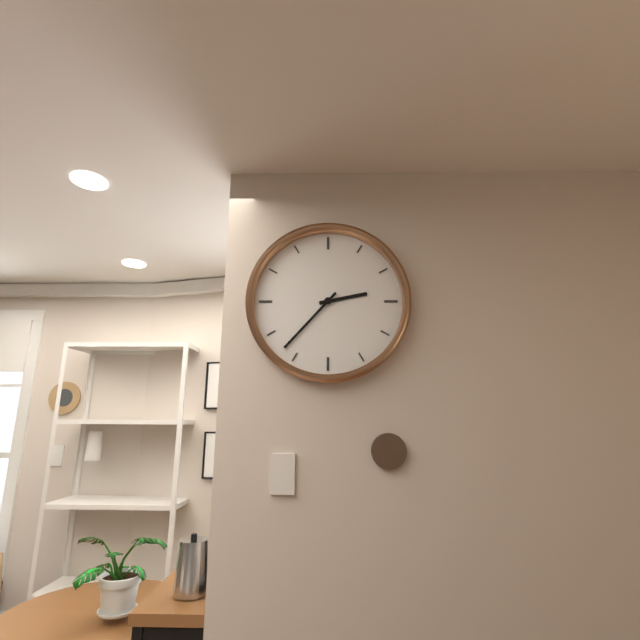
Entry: 2:37
